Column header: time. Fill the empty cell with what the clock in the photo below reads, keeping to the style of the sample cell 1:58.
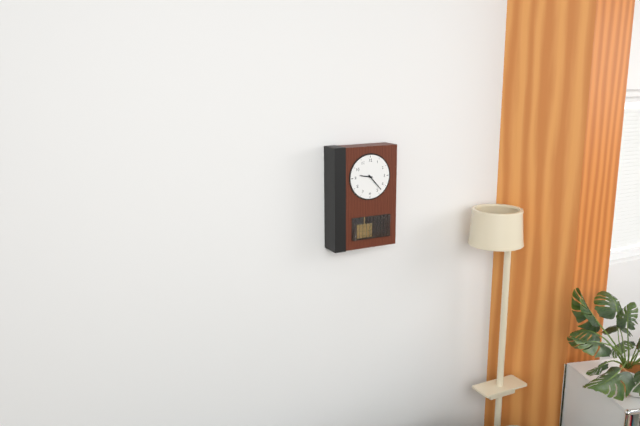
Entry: 9:23
